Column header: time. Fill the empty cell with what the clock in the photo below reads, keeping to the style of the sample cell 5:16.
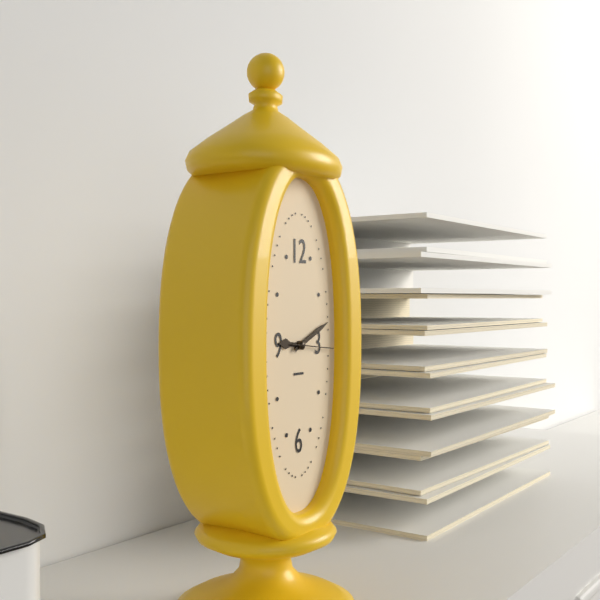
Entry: 9:11
